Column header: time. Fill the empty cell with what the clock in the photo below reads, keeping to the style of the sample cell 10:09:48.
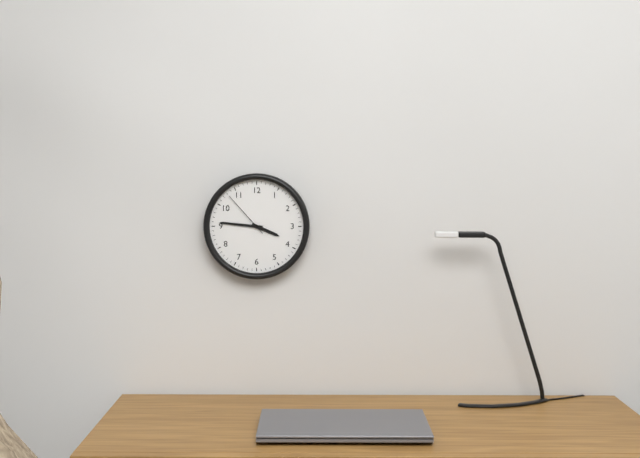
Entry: 3:46:53
